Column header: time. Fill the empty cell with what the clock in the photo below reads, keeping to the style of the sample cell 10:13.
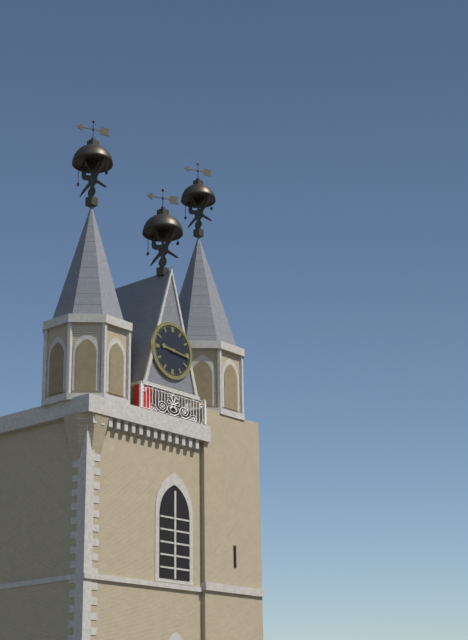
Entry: 9:16
